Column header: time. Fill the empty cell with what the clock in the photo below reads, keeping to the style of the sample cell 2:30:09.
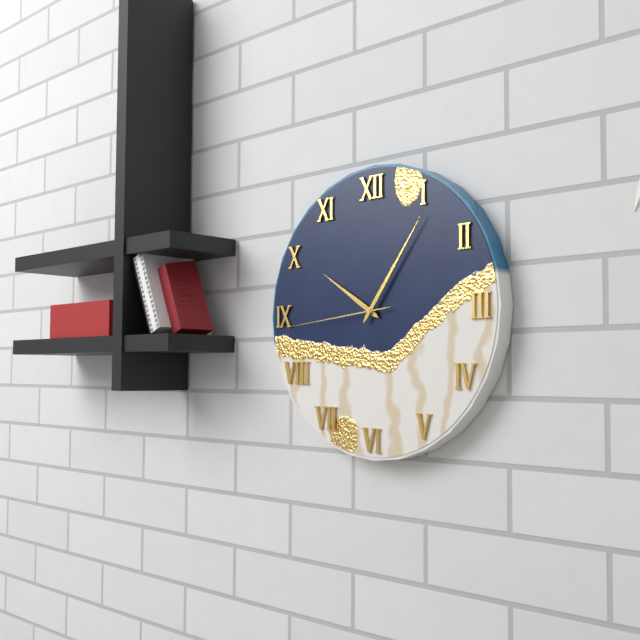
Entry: 10:06:44
